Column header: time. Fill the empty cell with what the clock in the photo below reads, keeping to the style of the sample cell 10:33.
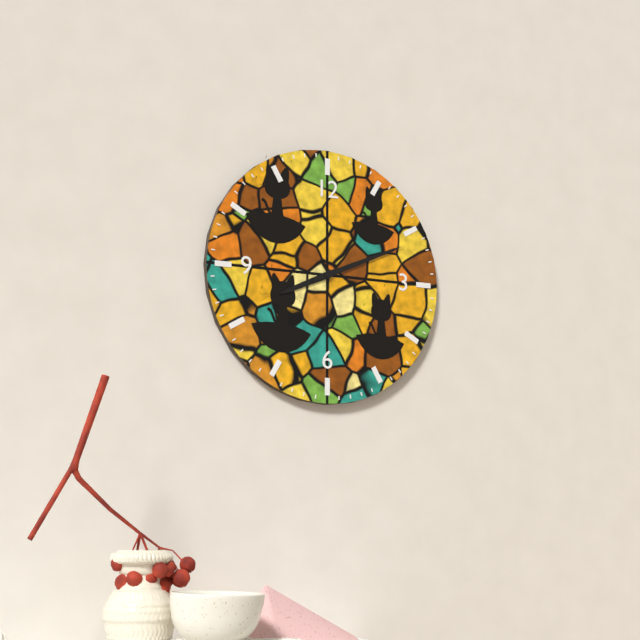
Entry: 8:11
